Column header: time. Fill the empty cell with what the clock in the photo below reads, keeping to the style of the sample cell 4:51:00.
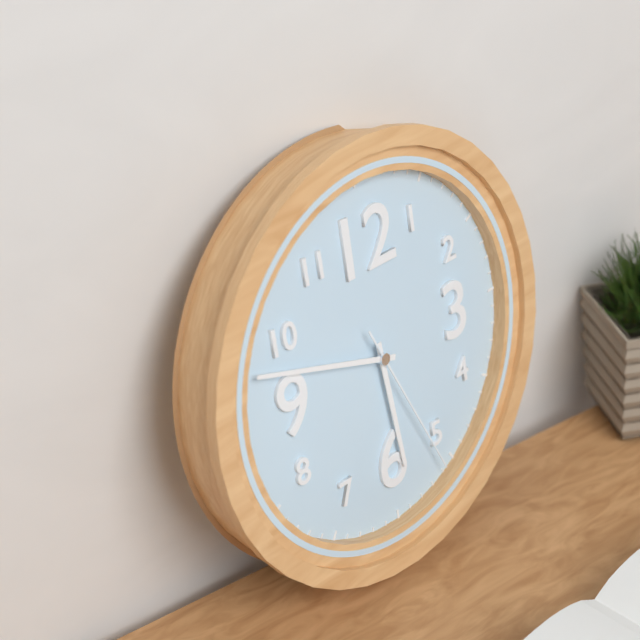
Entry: 5:48:26
